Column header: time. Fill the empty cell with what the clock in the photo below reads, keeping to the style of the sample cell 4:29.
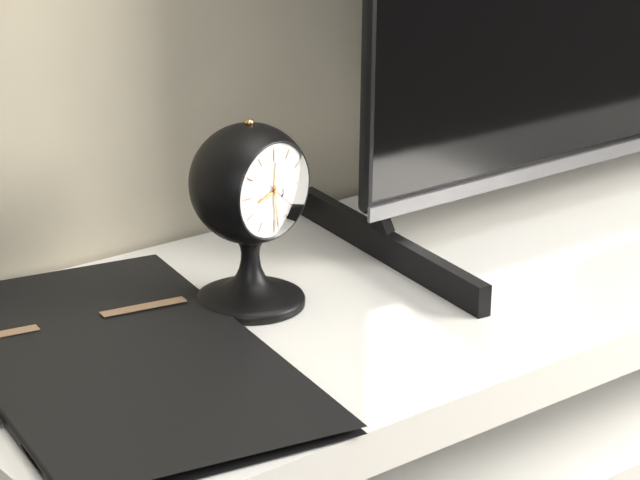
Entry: 8:29
